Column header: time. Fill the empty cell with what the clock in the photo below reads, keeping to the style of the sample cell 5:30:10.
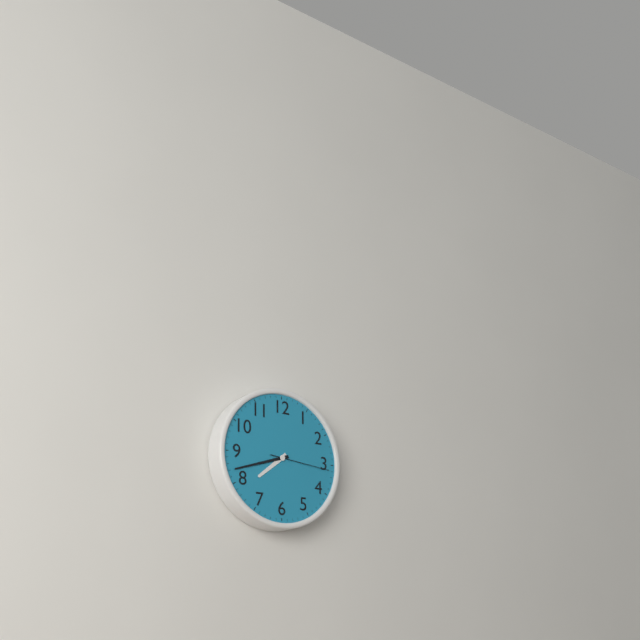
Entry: 7:42:16
